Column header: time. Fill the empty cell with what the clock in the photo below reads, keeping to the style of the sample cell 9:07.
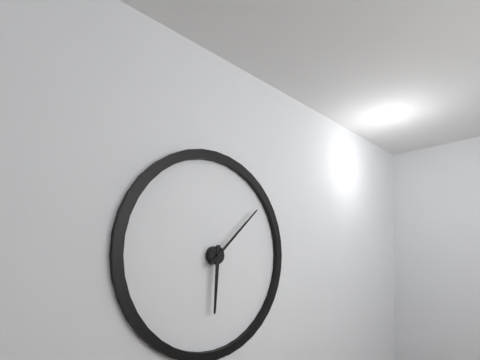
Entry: 6:08
